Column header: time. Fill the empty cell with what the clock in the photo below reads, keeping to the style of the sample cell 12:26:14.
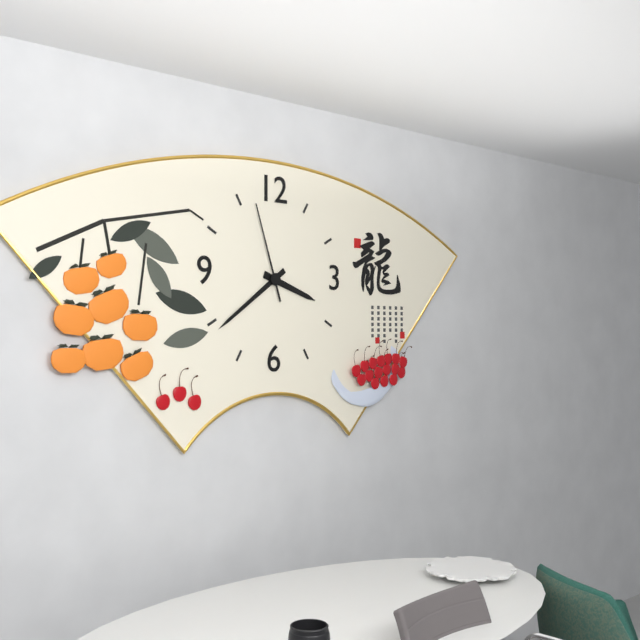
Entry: 3:39:57
